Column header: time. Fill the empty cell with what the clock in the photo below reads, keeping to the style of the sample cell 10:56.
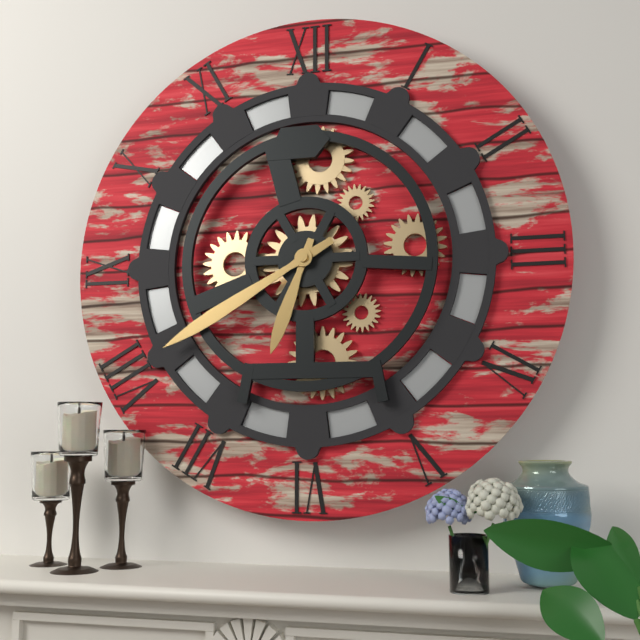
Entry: 6:40
